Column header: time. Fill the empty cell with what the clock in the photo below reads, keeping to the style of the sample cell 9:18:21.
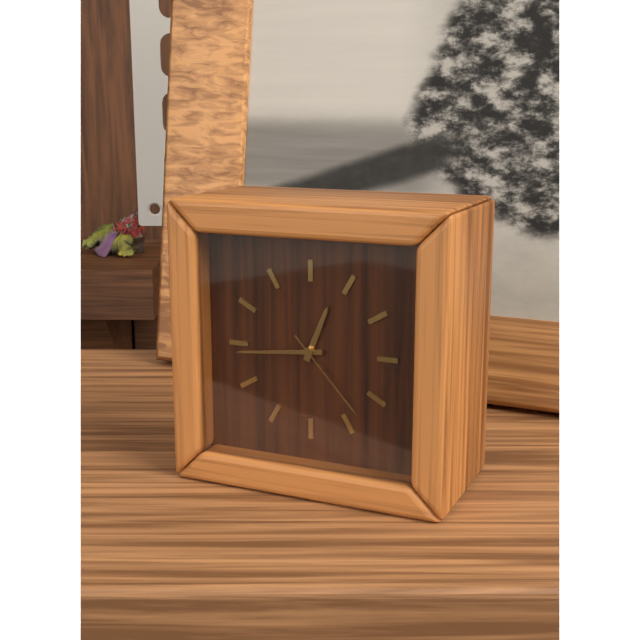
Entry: 12:44:23
